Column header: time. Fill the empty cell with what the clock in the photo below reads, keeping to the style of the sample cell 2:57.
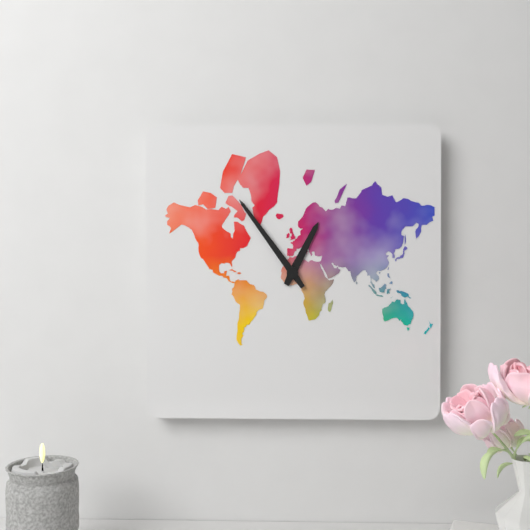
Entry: 12:54
